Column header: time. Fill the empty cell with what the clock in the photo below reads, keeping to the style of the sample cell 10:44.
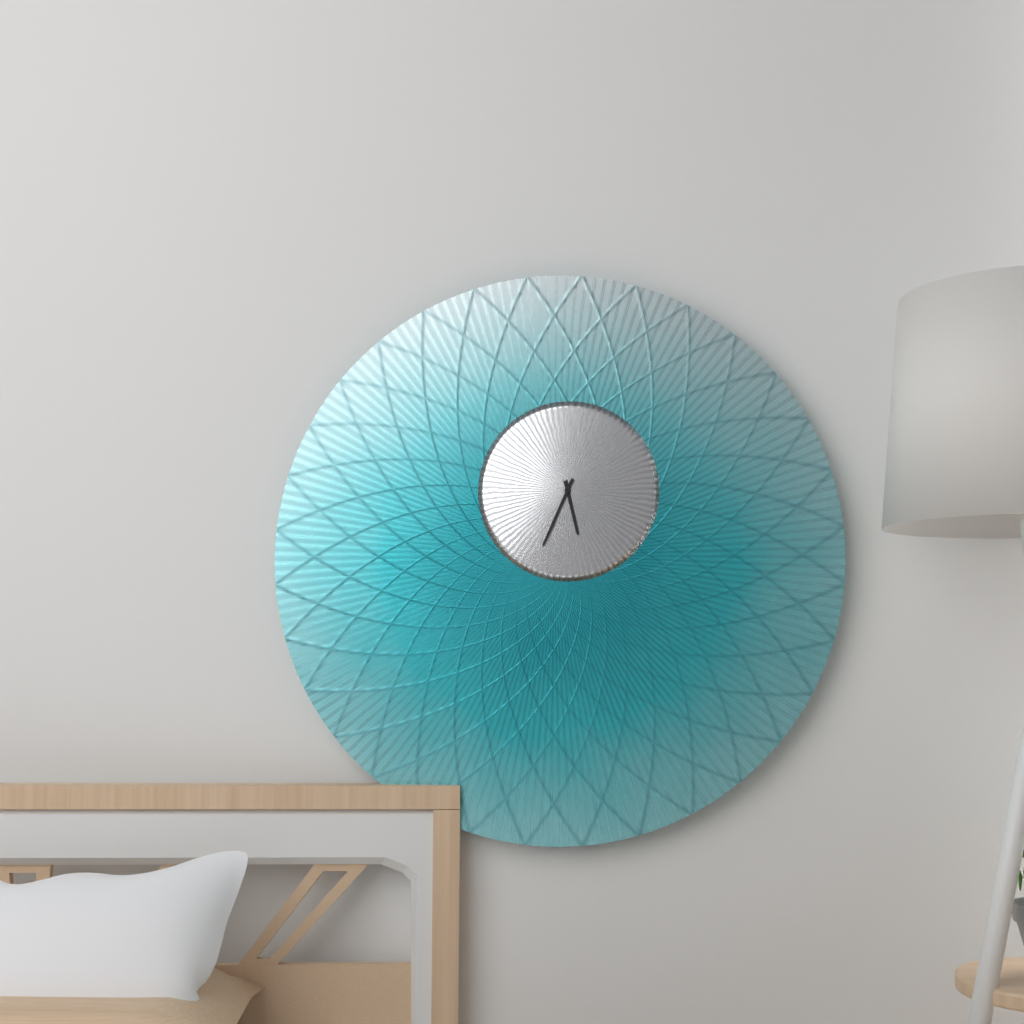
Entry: 5:34
